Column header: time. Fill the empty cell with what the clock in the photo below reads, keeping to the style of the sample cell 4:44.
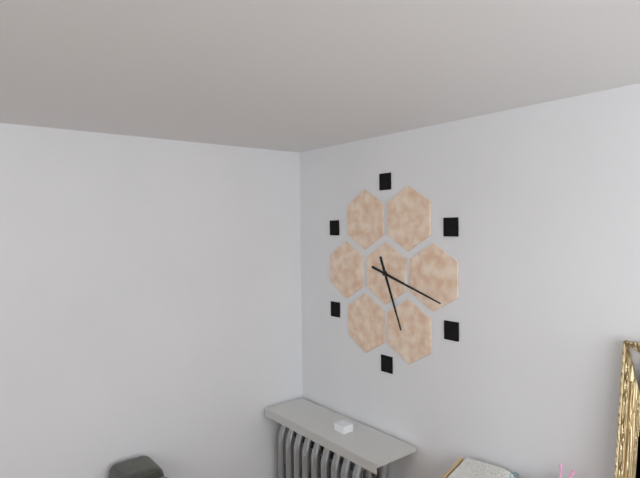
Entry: 5:18
